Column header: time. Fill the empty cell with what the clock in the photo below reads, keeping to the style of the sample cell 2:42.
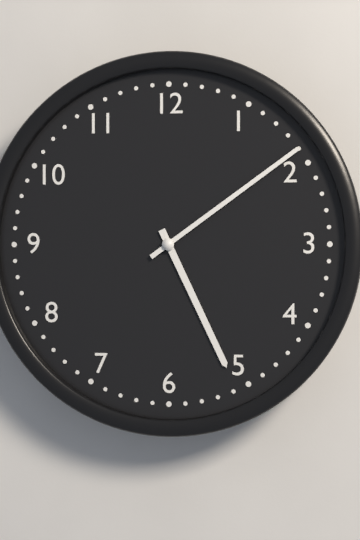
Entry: 5:09
